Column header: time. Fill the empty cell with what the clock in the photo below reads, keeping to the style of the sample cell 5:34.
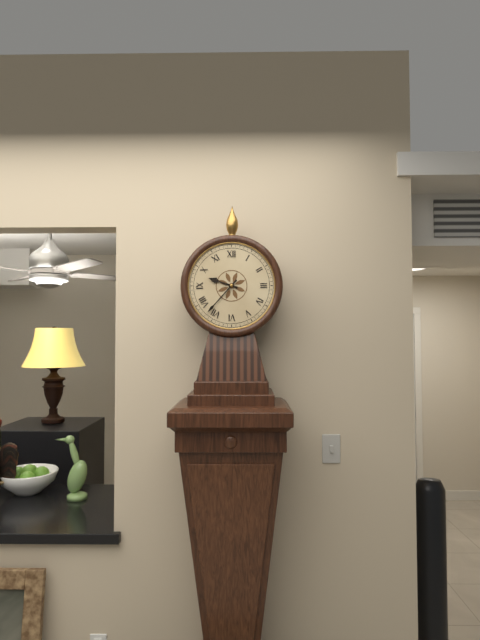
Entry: 9:37
